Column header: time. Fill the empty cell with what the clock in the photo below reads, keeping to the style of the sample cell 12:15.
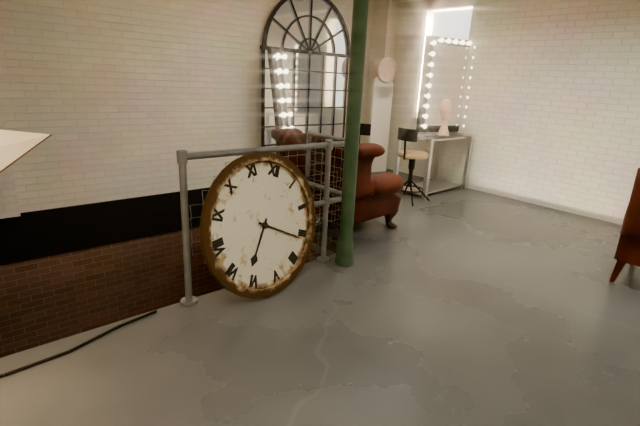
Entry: 6:16
